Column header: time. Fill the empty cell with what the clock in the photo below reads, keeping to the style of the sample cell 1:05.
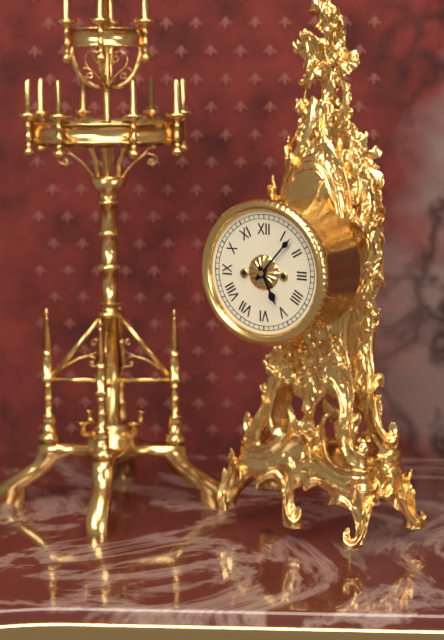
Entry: 5:07
